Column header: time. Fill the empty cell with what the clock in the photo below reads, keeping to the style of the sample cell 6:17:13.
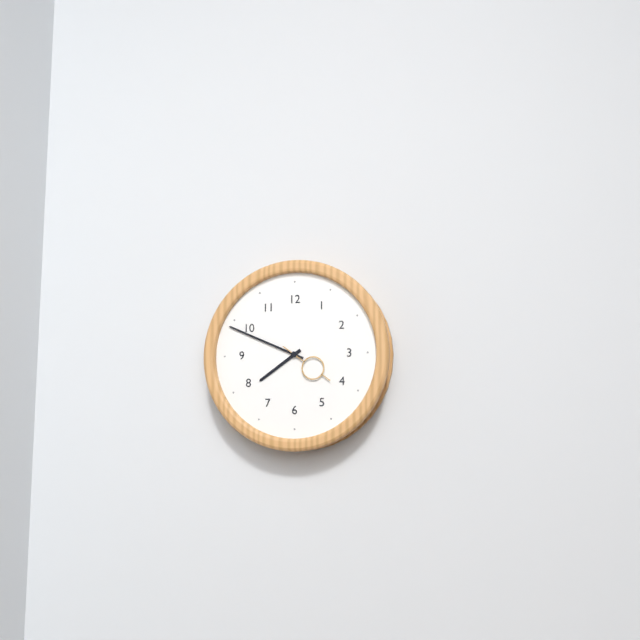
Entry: 7:49:21
